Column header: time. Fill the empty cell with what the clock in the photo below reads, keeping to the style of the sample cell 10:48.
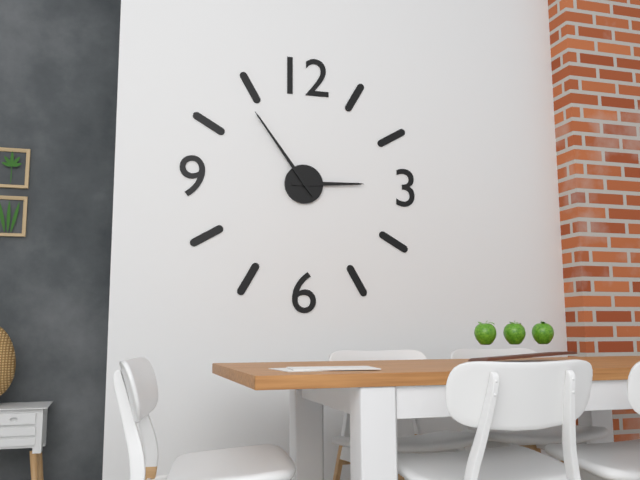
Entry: 2:54
